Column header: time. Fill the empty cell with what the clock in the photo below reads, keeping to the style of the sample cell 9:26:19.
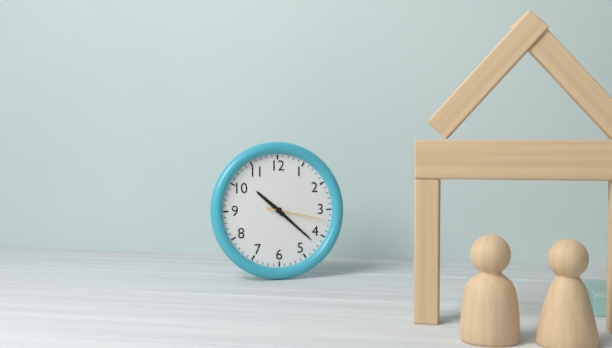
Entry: 10:22:17
